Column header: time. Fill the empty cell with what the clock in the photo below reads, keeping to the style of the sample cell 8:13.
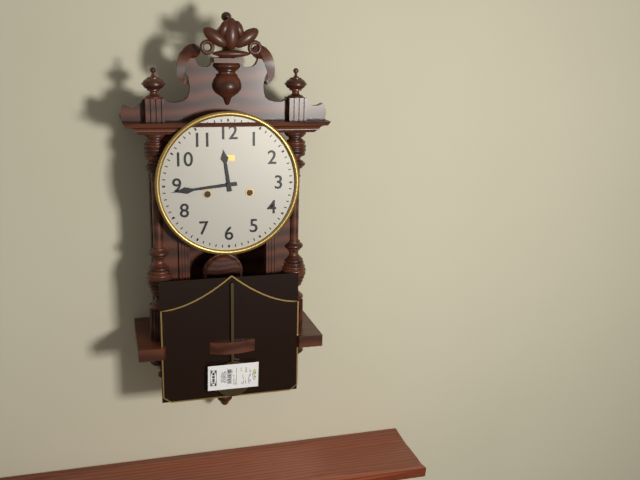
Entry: 11:44
